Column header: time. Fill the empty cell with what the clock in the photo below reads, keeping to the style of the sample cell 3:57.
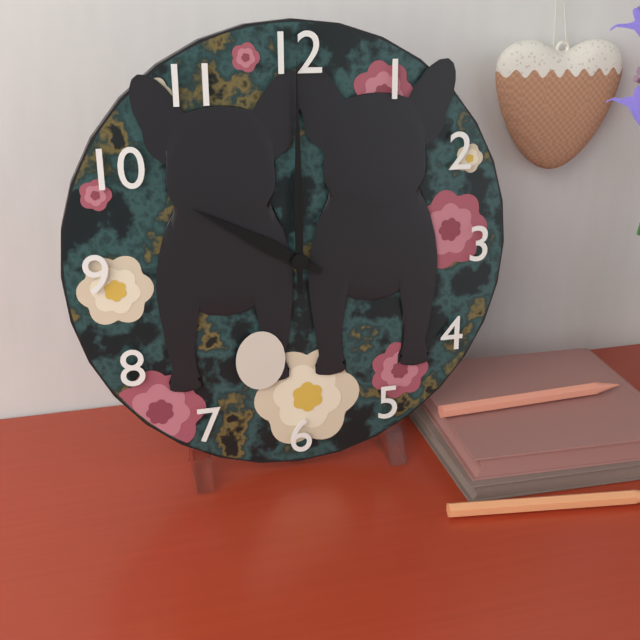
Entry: 10:00
